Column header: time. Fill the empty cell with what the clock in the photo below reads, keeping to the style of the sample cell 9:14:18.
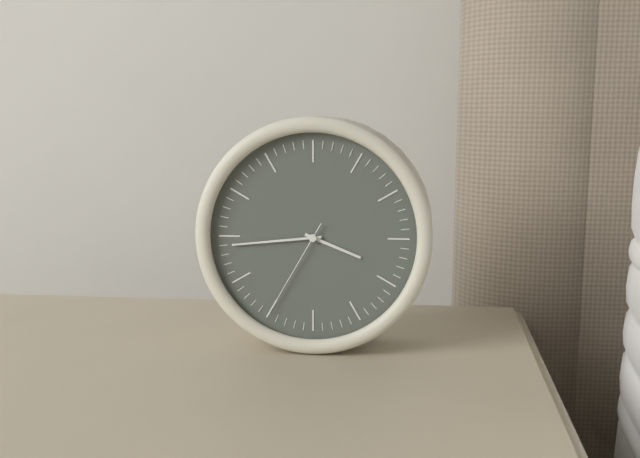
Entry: 3:44:35
